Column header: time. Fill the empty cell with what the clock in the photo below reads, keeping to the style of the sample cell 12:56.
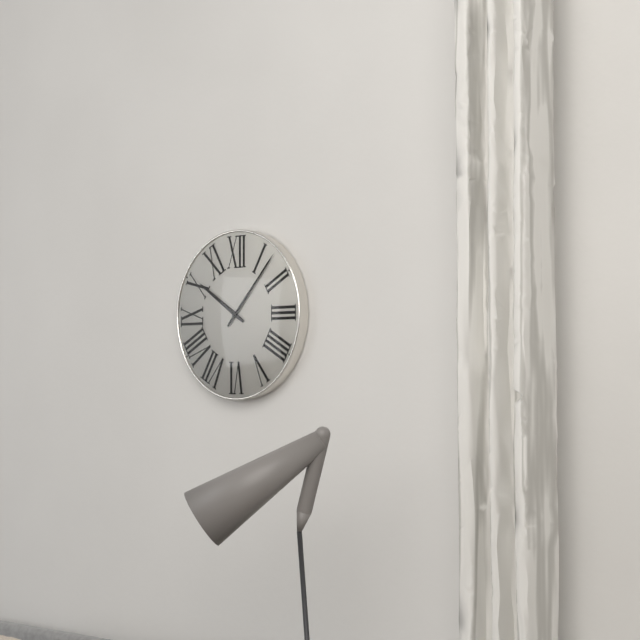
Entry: 10:07
